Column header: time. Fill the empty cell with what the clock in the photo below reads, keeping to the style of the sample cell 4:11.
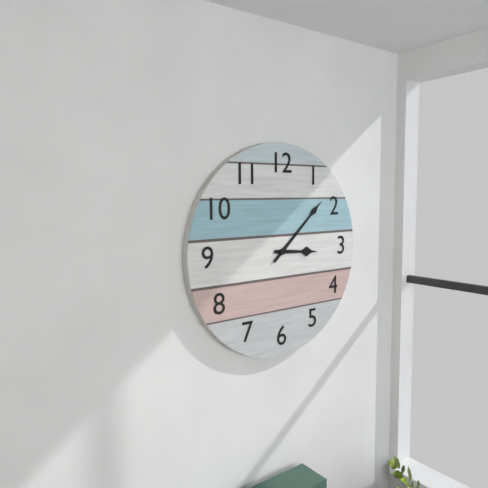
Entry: 3:08
